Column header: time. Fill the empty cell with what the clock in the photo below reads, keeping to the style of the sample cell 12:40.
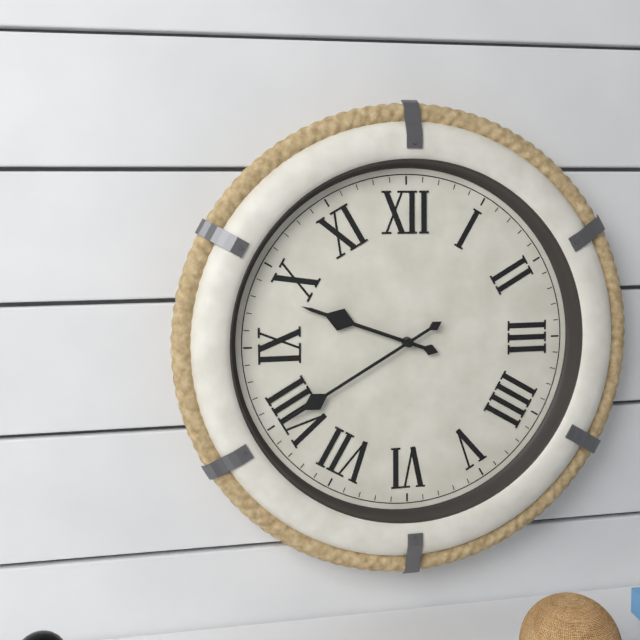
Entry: 9:40
